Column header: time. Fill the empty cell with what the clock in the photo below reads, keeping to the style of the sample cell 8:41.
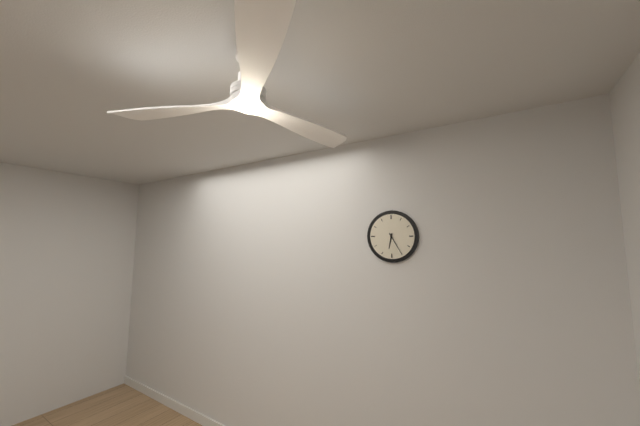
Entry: 6:25
